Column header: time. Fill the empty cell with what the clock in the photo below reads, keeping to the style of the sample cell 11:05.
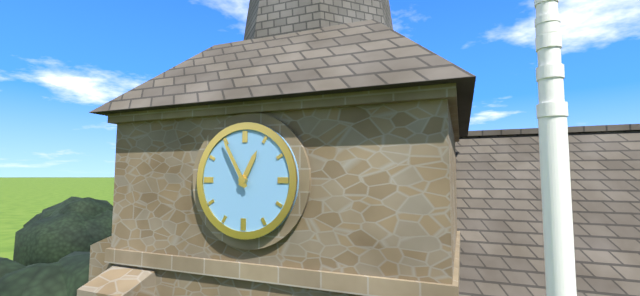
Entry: 12:55
